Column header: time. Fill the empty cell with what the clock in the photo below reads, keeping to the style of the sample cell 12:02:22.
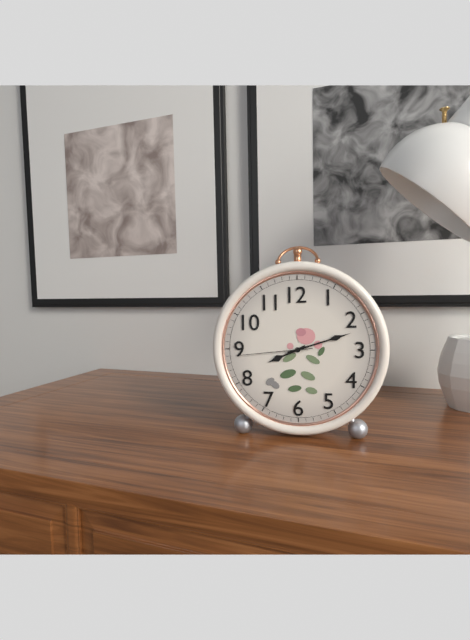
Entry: 8:12:44
